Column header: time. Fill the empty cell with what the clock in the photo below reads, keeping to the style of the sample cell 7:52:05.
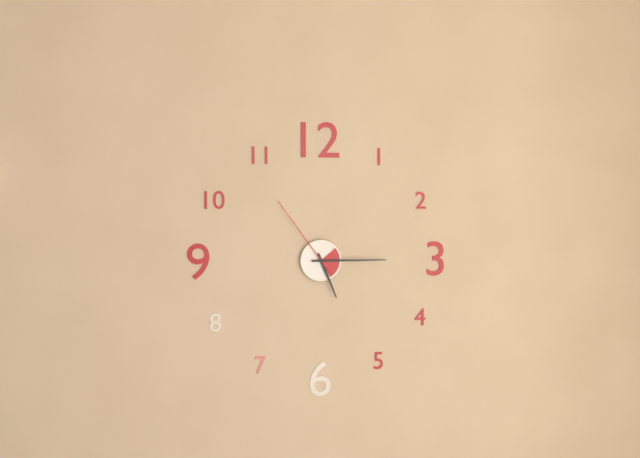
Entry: 5:15:54
